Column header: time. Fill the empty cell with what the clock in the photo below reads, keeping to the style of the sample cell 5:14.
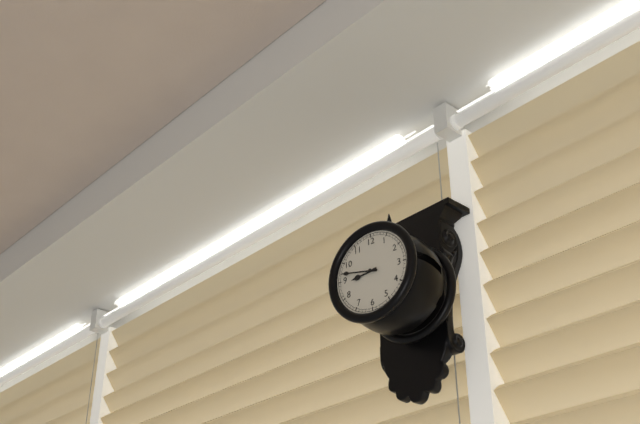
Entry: 8:47
